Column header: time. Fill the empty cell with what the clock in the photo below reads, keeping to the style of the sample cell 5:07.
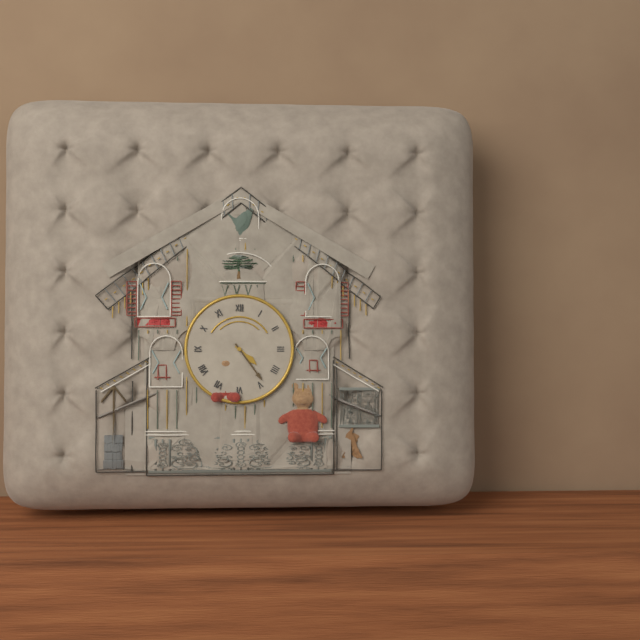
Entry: 4:24
